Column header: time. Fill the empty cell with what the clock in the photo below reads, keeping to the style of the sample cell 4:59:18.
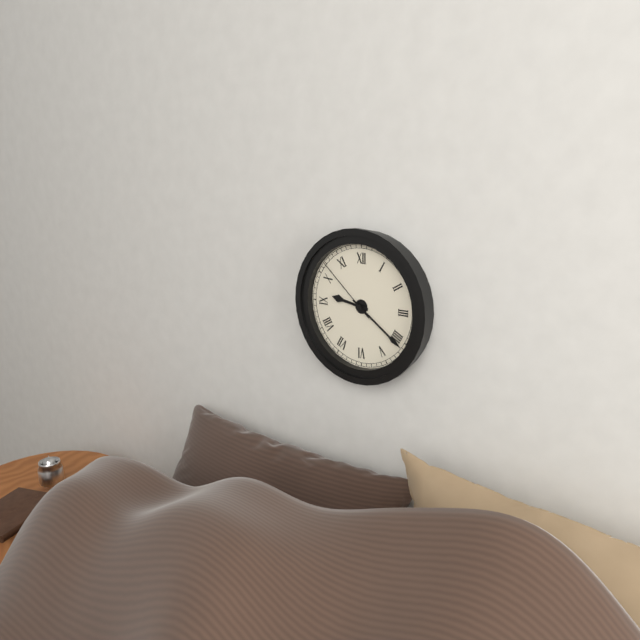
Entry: 9:21:52
